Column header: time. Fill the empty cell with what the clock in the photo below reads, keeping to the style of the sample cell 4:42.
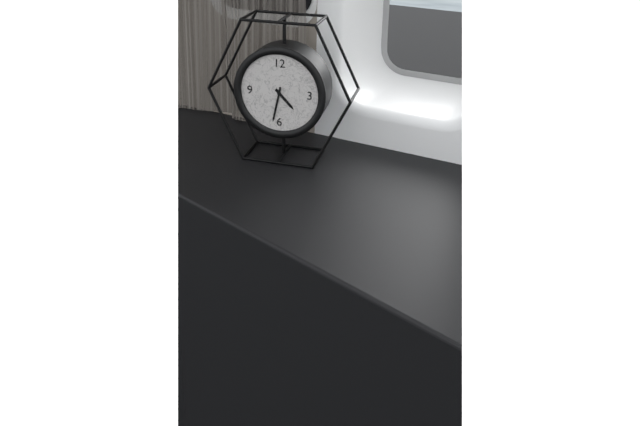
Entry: 4:32
